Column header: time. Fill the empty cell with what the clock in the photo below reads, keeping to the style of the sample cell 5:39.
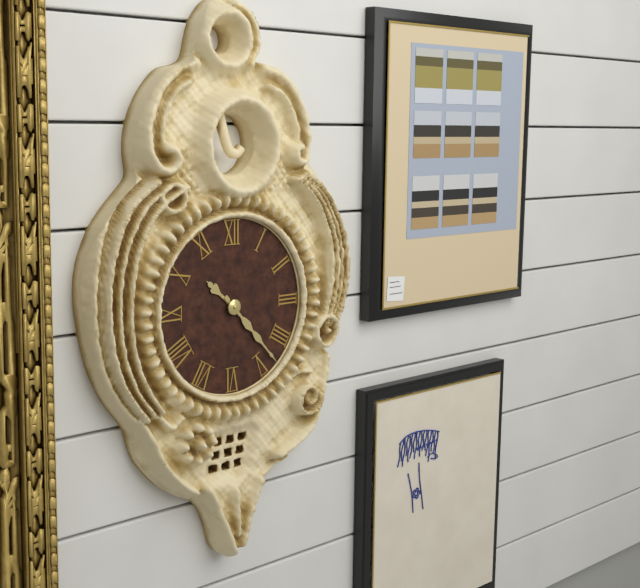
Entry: 10:23
